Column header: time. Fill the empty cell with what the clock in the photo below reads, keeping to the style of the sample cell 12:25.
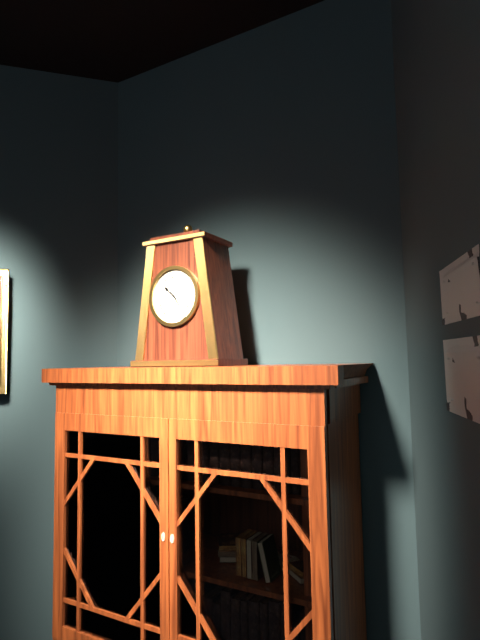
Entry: 10:24
